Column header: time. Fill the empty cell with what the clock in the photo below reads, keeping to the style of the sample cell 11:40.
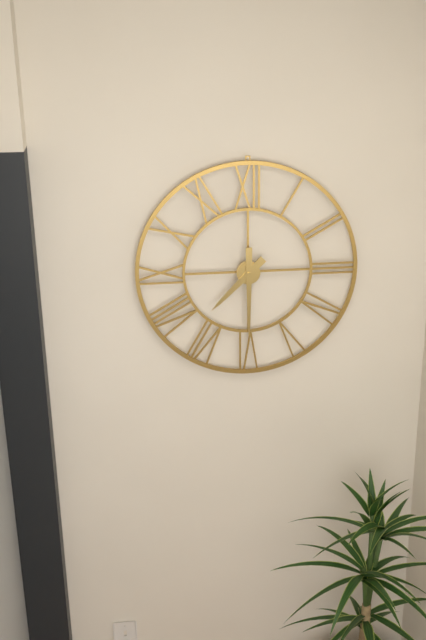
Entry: 7:30
